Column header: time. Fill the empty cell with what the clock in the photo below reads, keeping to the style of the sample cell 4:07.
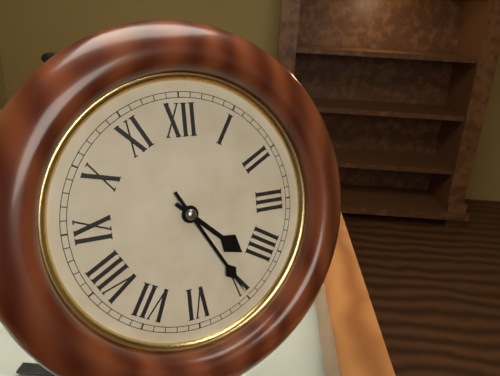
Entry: 4:25
